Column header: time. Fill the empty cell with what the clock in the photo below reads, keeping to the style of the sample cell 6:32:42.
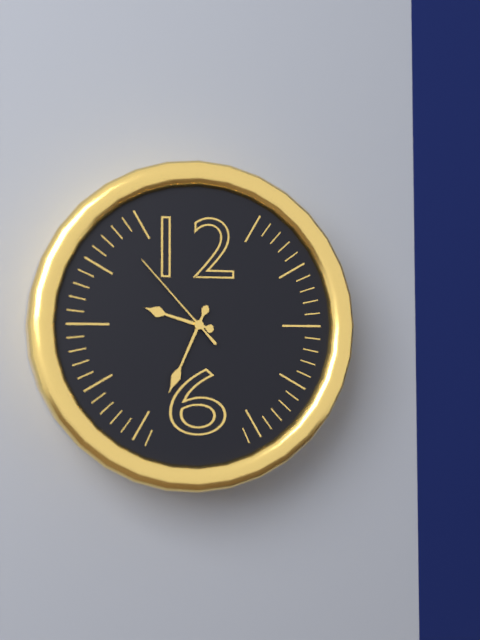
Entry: 9:34:53
